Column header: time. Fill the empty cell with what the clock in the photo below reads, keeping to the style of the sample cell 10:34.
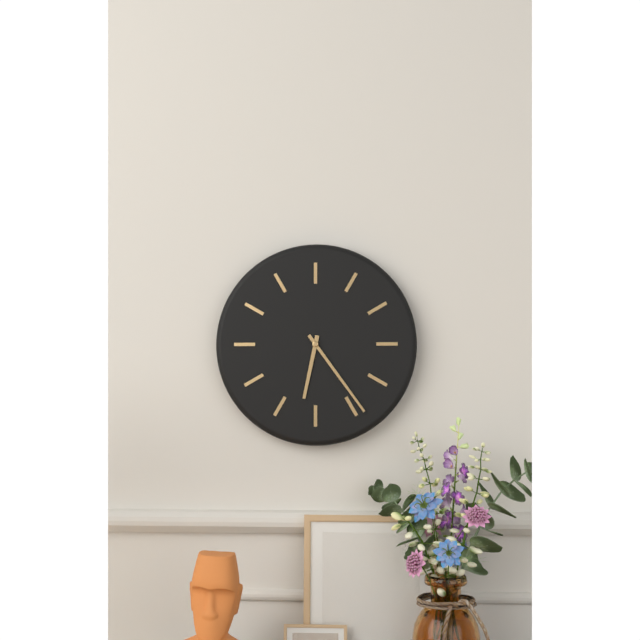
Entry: 6:24
